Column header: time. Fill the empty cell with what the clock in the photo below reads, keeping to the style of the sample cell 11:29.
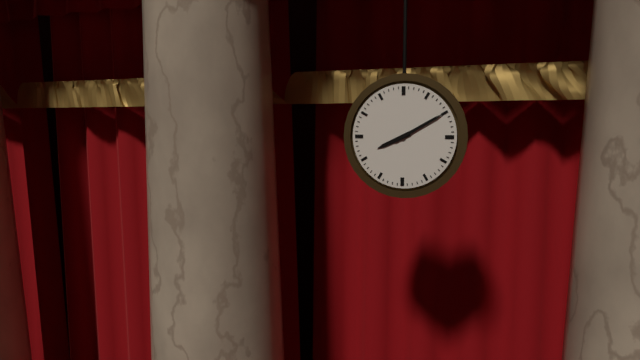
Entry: 8:10
